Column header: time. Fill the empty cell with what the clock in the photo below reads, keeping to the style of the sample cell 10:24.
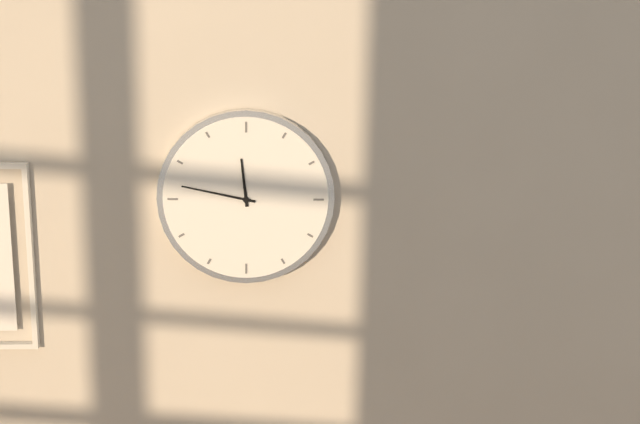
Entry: 11:47
